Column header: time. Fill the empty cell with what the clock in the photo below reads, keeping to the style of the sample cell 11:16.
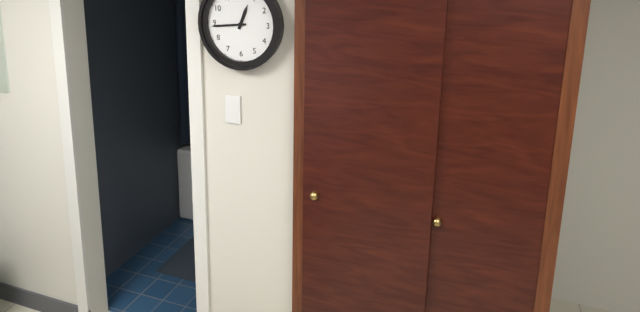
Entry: 12:44
